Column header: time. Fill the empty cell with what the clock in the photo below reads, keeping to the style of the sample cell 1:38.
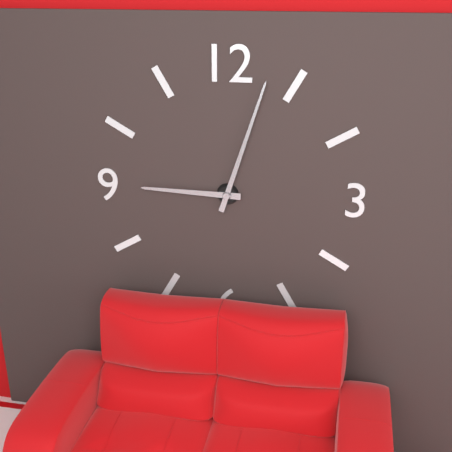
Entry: 9:03
